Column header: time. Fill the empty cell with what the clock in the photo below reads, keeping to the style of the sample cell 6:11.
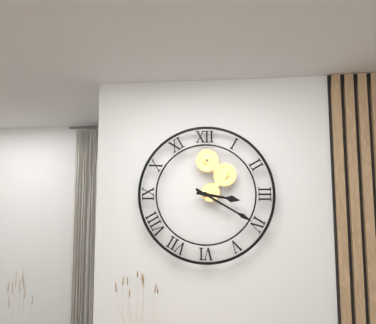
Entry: 3:20
